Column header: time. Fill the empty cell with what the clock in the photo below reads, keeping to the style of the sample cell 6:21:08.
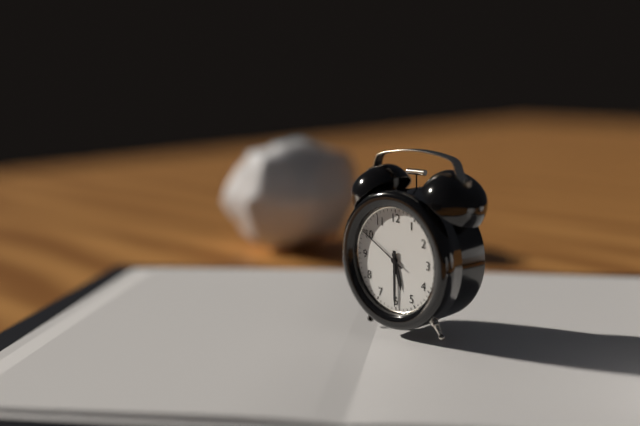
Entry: 5:30:50
